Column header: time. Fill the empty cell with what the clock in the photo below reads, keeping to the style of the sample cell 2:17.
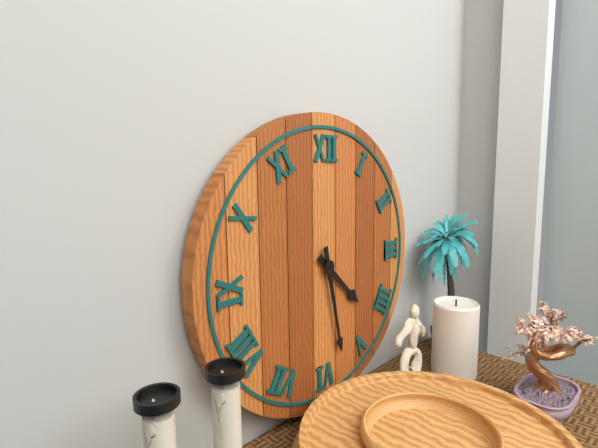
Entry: 4:28
